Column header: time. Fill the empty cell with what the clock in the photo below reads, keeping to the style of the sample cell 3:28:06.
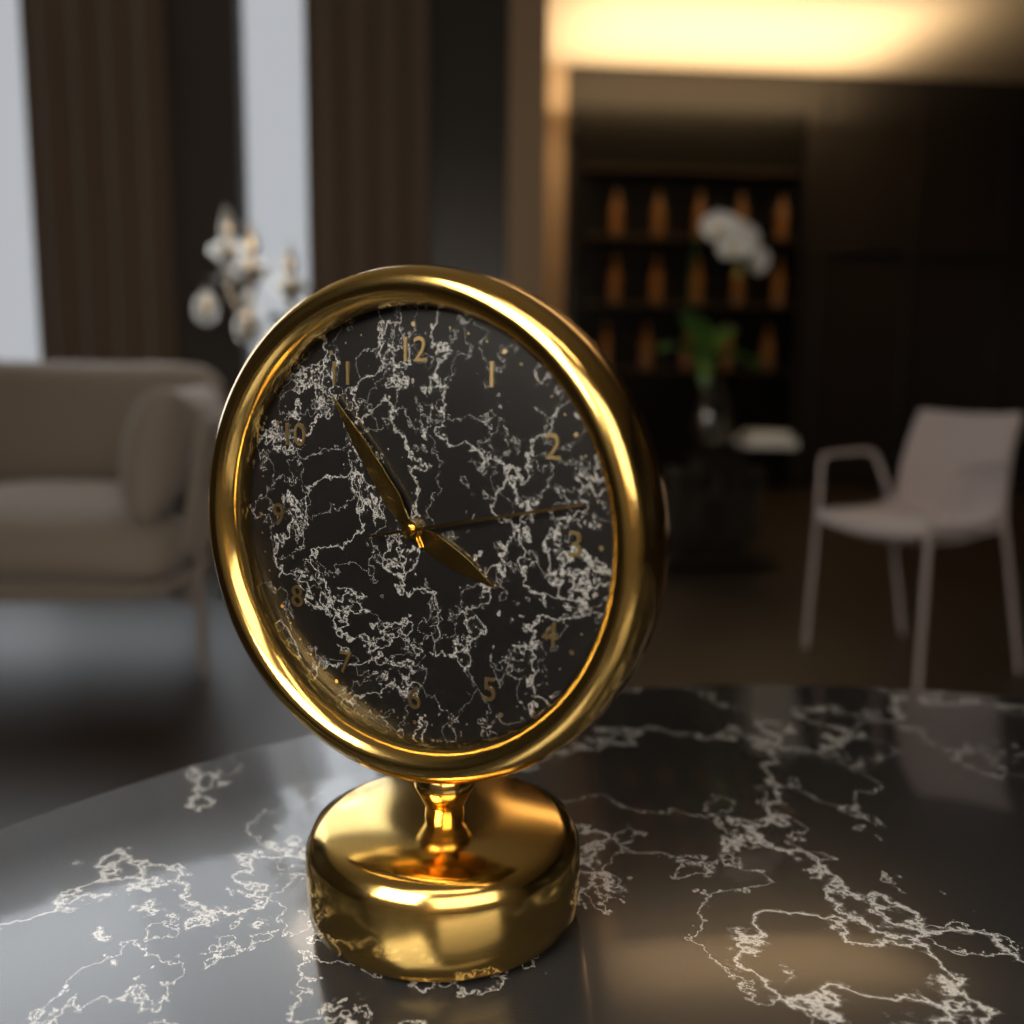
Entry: 3:54:13
